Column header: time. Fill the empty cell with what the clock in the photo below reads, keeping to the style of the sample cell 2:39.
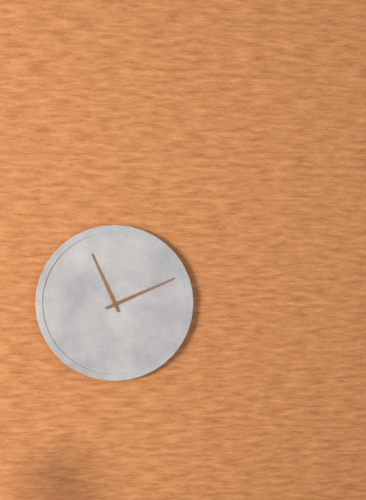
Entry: 11:11
